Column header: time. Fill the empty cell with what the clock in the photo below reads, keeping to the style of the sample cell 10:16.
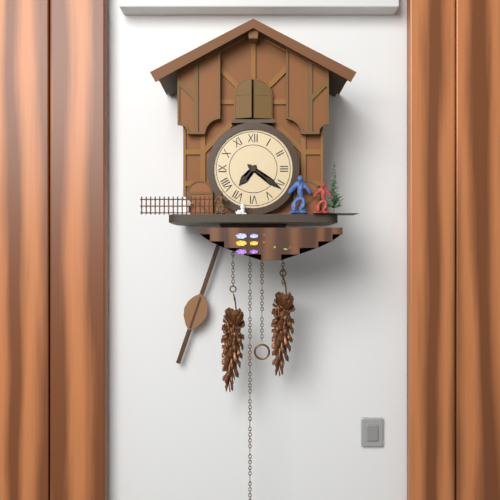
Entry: 7:21
